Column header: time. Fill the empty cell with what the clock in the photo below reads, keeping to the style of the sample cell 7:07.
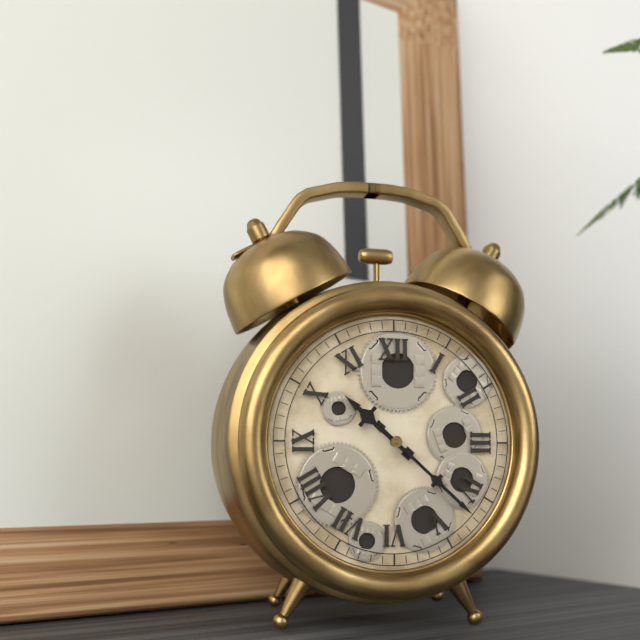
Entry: 10:22
